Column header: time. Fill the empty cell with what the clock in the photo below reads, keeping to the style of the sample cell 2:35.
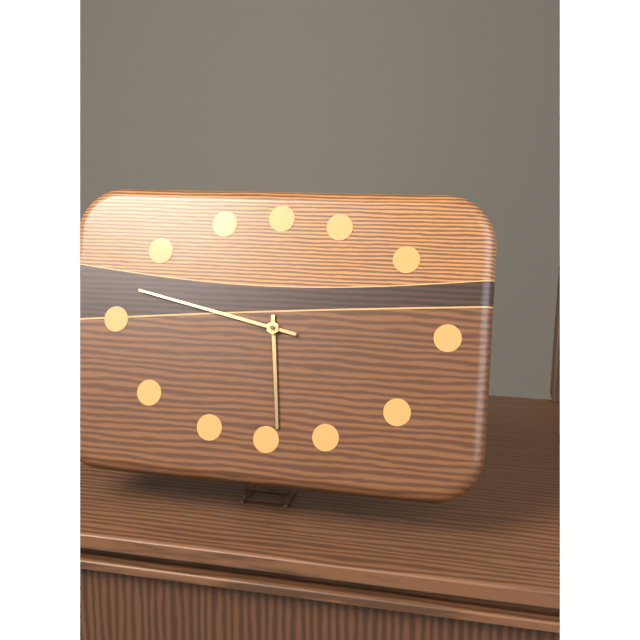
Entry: 5:47
